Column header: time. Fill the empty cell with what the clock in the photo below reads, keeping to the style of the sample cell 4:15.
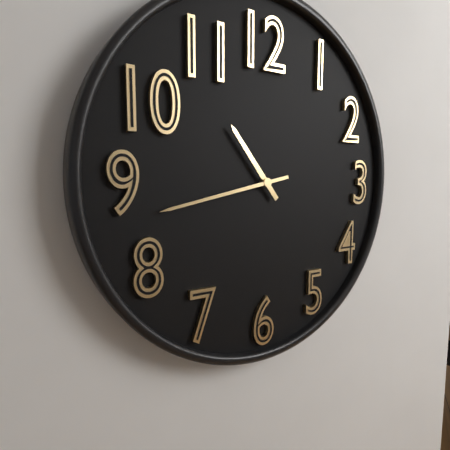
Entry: 10:43
